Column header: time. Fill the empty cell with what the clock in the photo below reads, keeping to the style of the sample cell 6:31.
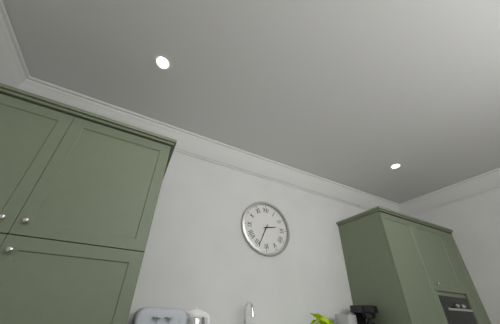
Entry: 2:34
